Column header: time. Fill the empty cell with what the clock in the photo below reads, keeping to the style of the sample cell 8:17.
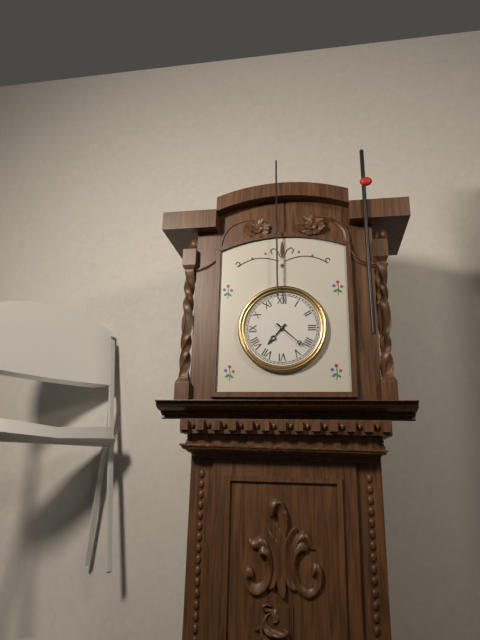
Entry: 7:22
